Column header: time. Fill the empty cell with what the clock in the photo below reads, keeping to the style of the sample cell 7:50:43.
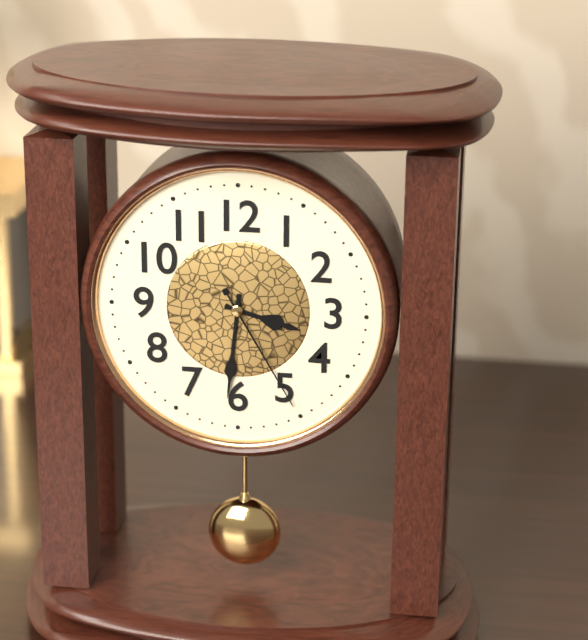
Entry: 3:31:25
